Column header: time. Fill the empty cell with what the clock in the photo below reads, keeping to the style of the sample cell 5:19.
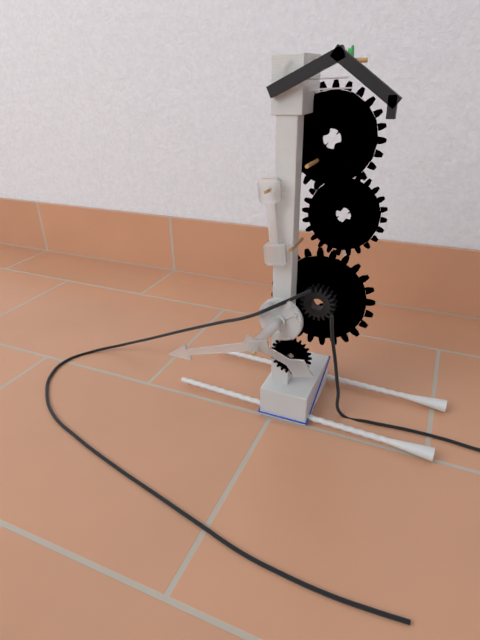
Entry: 3:42
